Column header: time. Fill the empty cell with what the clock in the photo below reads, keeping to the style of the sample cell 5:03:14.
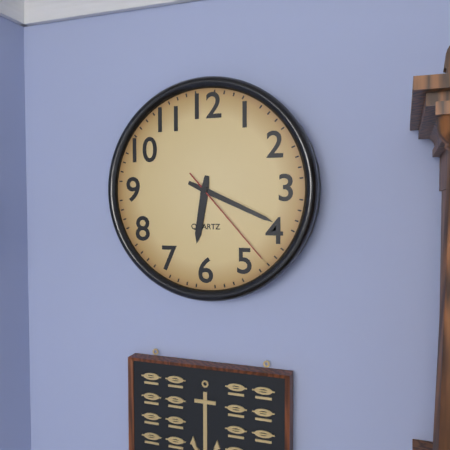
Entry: 6:19:23
